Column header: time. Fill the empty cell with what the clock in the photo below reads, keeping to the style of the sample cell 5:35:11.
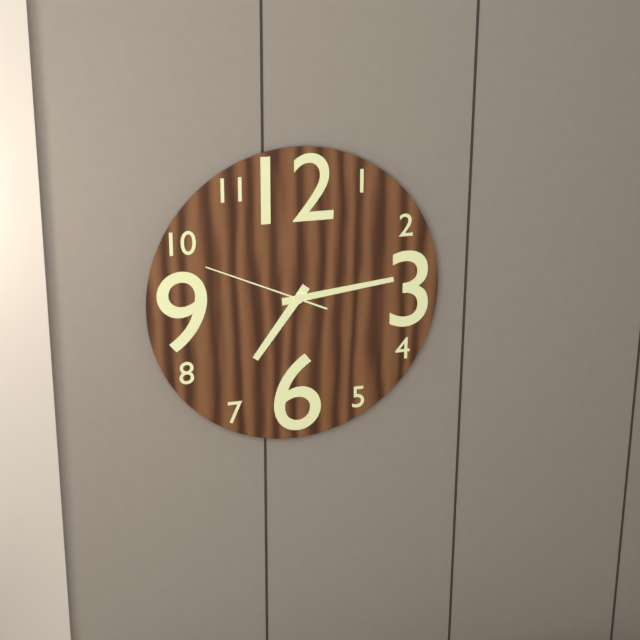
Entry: 7:14:49
